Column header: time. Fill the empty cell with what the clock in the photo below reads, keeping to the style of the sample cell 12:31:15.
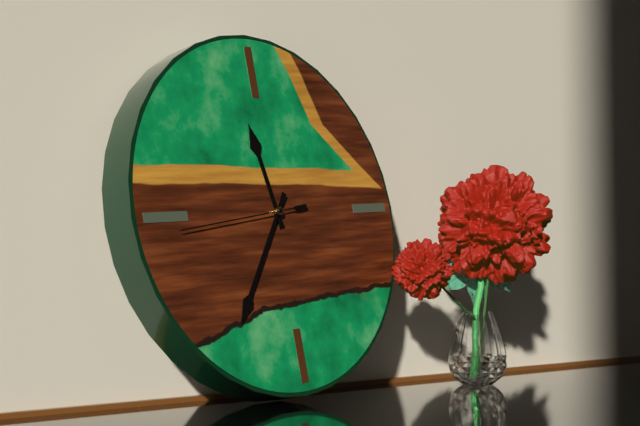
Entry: 11:36:44
